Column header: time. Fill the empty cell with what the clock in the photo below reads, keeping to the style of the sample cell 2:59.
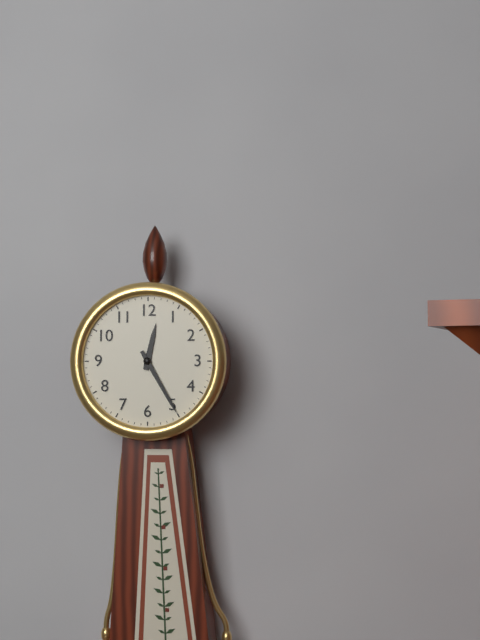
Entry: 12:25
